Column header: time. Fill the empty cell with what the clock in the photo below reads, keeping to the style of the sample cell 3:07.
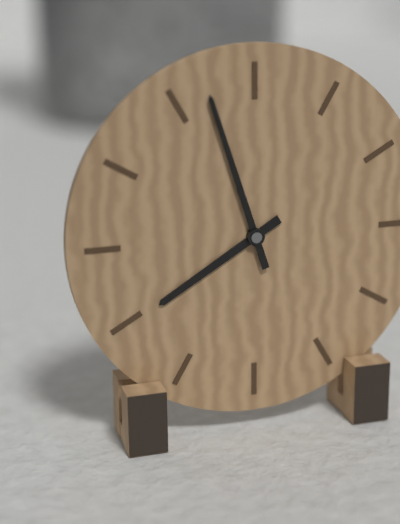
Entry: 7:57
